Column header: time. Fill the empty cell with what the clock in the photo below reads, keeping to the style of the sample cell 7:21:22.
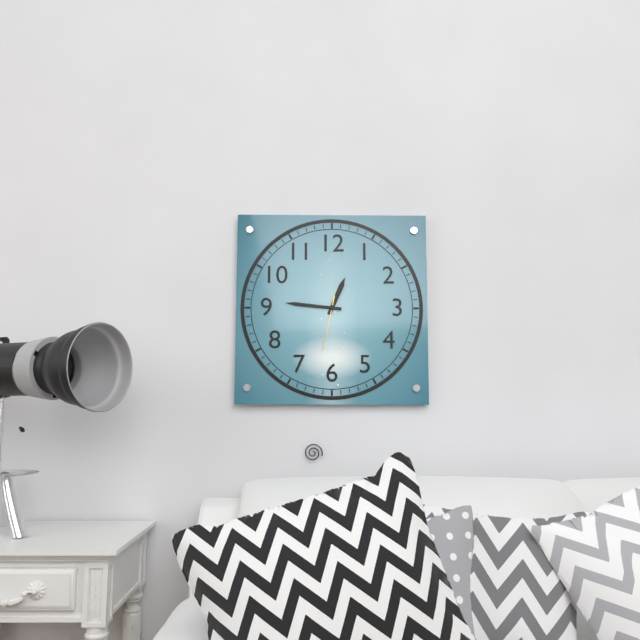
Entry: 12:46:32
